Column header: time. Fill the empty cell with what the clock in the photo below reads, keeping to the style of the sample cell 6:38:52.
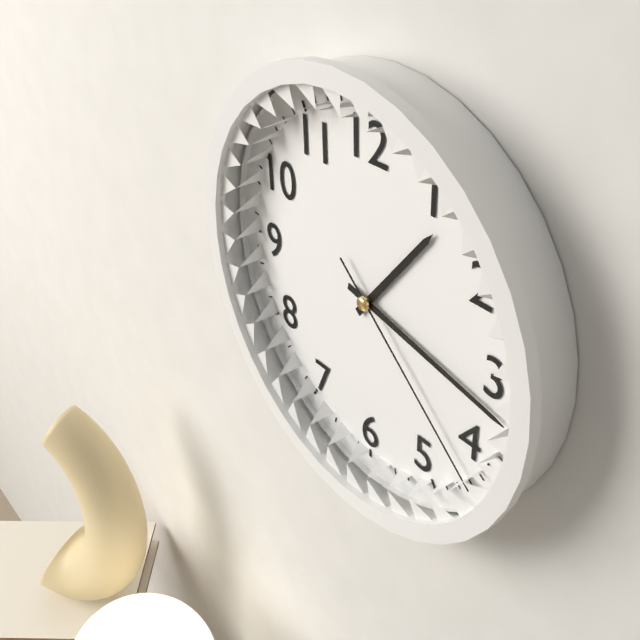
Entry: 1:17:22
